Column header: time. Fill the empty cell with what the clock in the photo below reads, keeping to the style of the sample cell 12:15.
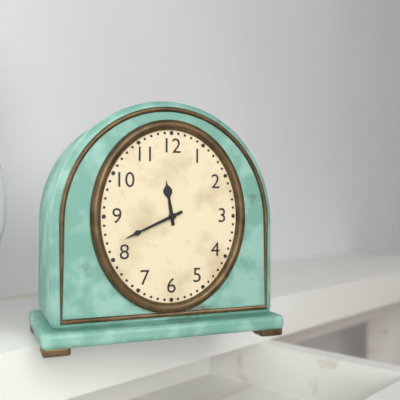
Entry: 11:41
